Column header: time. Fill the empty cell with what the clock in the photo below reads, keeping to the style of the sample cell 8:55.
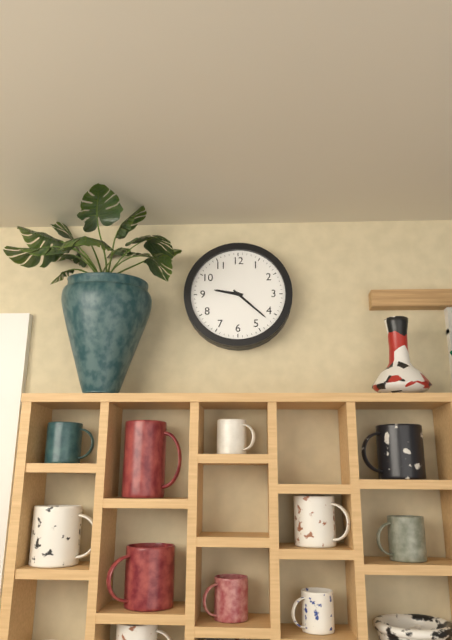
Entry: 9:22
